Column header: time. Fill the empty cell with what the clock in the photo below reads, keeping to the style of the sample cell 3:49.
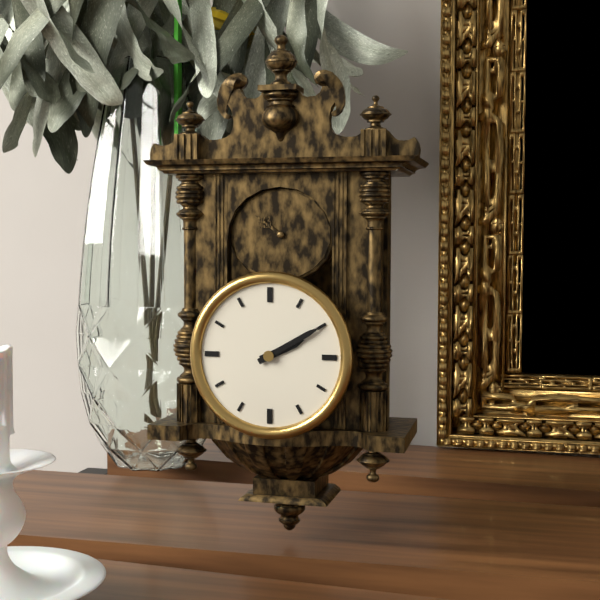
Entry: 2:10
